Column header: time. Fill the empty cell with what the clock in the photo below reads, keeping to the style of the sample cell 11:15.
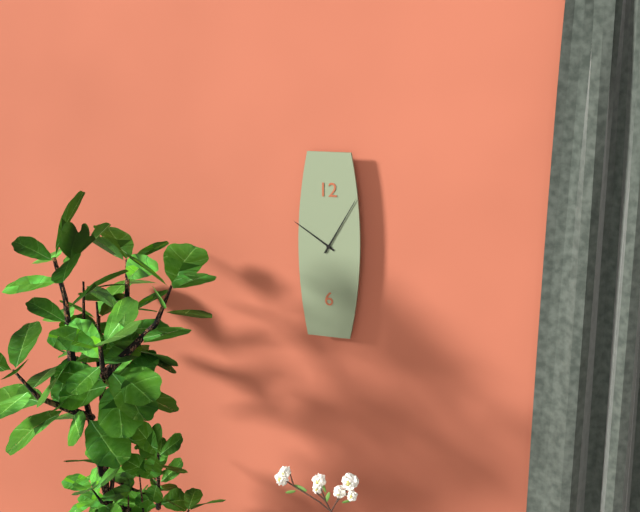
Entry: 10:05
